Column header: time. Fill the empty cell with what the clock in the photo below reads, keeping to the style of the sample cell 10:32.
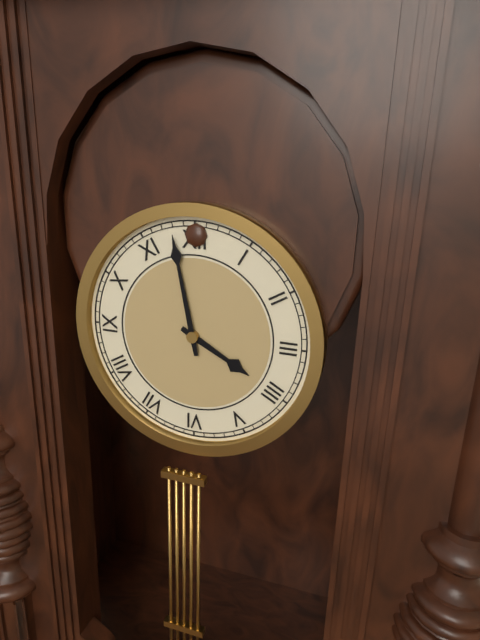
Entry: 3:58
